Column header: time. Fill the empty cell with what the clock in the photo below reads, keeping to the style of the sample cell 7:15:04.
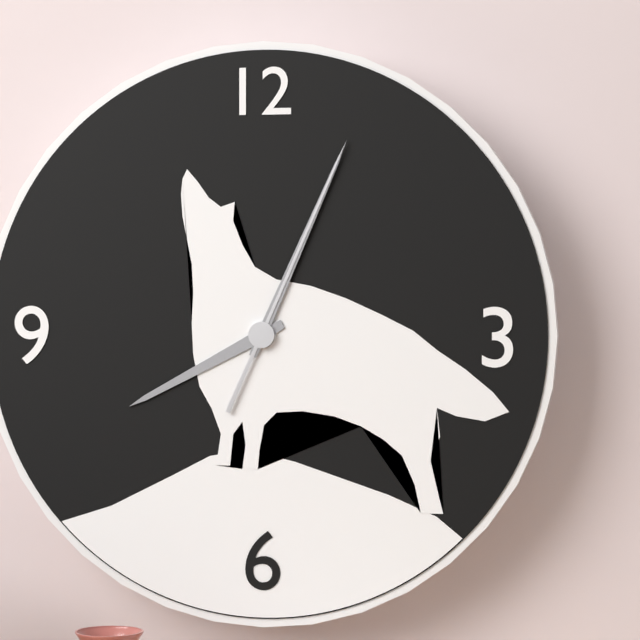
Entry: 8:04:04
